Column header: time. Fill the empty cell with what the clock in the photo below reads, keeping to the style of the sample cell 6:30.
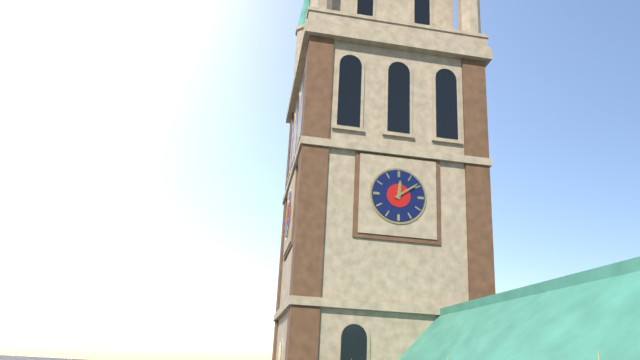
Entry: 12:09
